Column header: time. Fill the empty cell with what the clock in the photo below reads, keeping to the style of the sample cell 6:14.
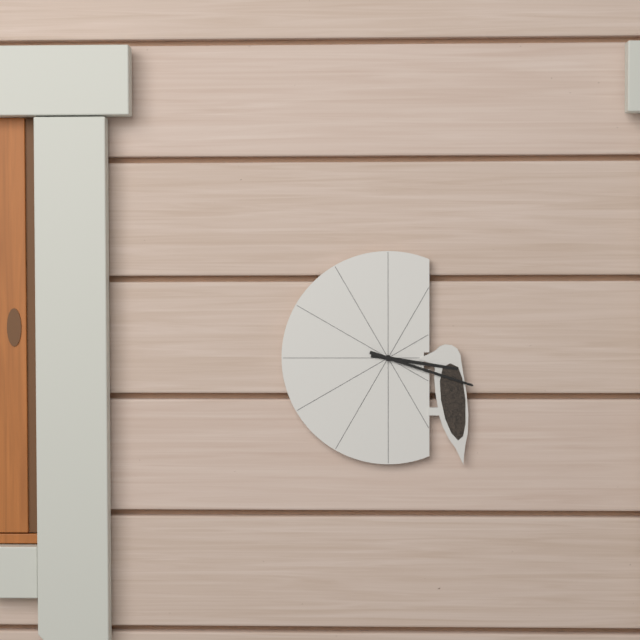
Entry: 3:18
